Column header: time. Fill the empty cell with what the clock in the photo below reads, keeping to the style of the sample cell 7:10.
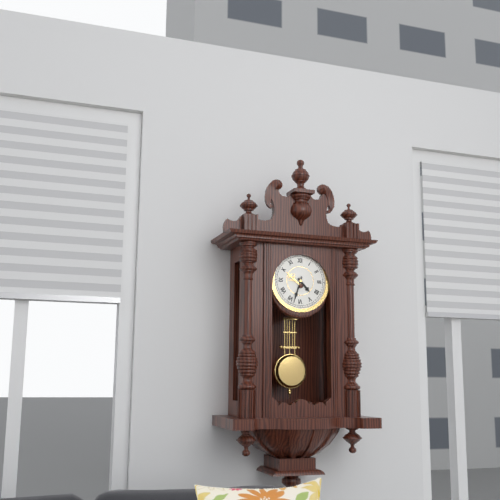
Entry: 4:33
